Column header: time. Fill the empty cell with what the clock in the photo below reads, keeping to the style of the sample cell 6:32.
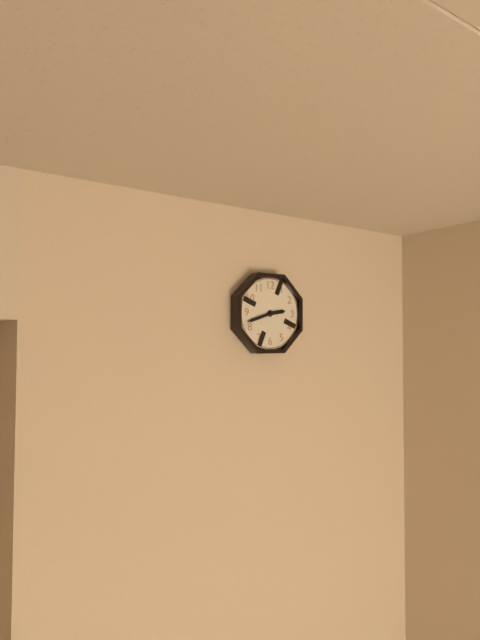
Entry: 2:42
